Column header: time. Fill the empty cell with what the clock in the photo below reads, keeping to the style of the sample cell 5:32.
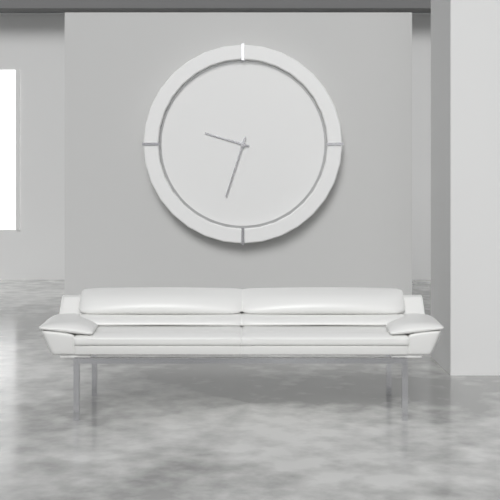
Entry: 9:33
